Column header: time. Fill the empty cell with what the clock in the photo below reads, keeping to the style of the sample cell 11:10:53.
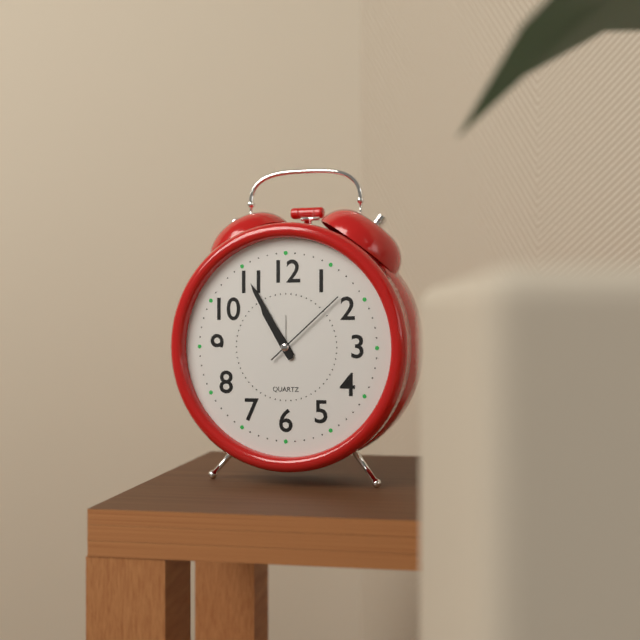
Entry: 10:55:08
